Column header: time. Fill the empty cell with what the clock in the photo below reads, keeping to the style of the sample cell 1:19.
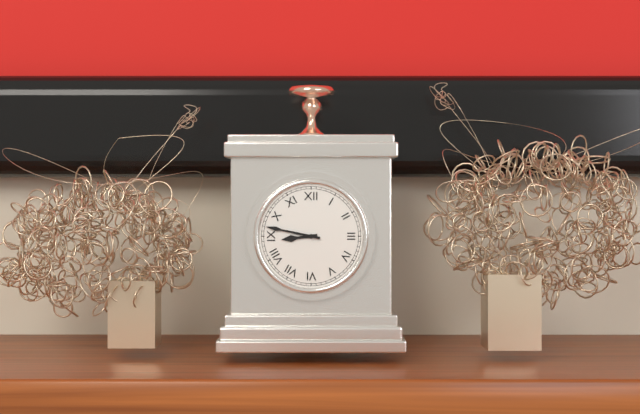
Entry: 8:47
